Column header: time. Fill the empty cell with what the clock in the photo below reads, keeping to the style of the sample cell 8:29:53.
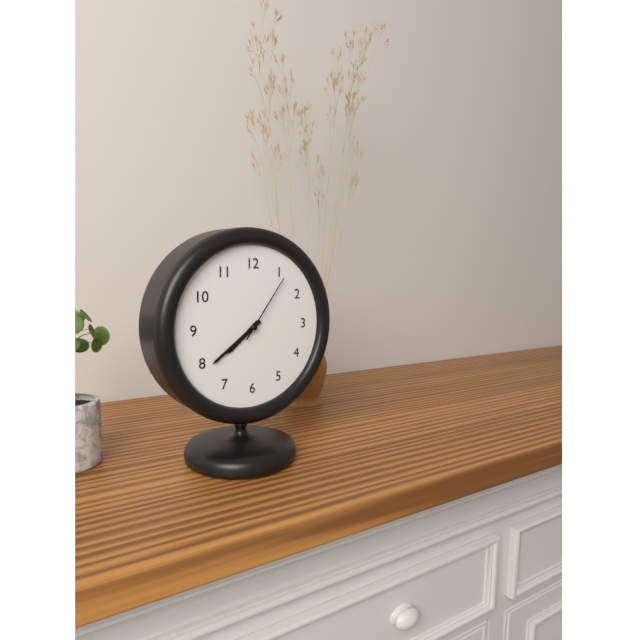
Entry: 7:39:06
